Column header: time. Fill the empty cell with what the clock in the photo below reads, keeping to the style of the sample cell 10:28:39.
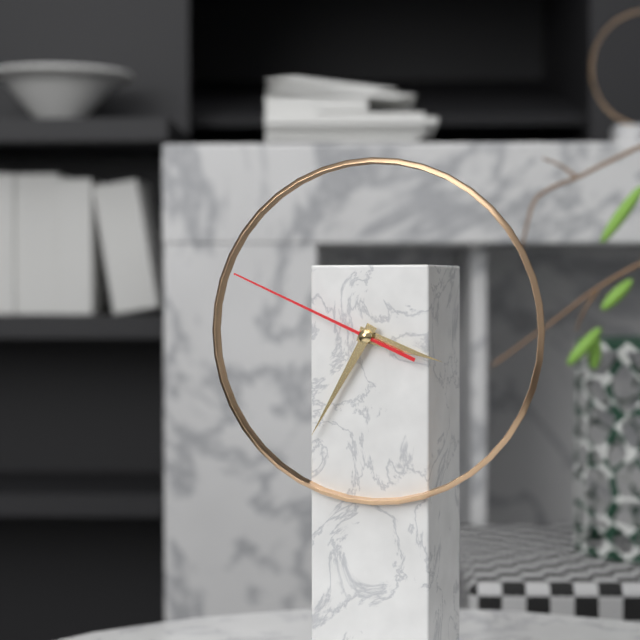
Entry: 3:35:49
